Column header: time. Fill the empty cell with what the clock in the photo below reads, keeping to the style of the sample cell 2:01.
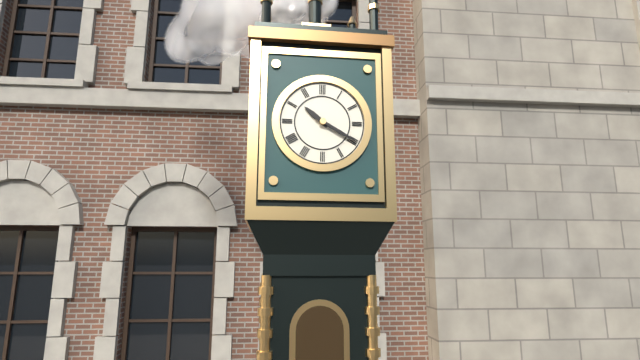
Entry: 10:20
